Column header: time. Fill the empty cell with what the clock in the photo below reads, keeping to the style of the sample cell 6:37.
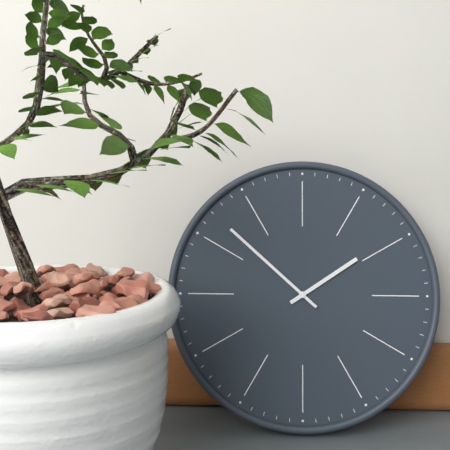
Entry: 1:52
